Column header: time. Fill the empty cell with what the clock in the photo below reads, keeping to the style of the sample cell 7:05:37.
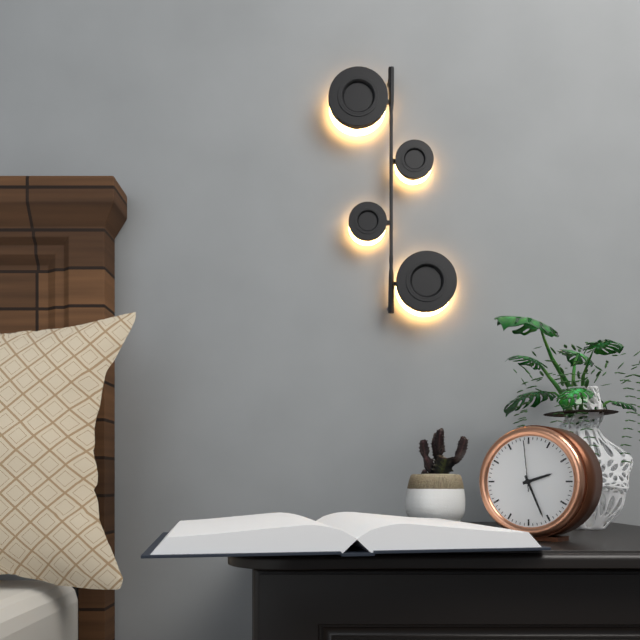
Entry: 2:26:59
